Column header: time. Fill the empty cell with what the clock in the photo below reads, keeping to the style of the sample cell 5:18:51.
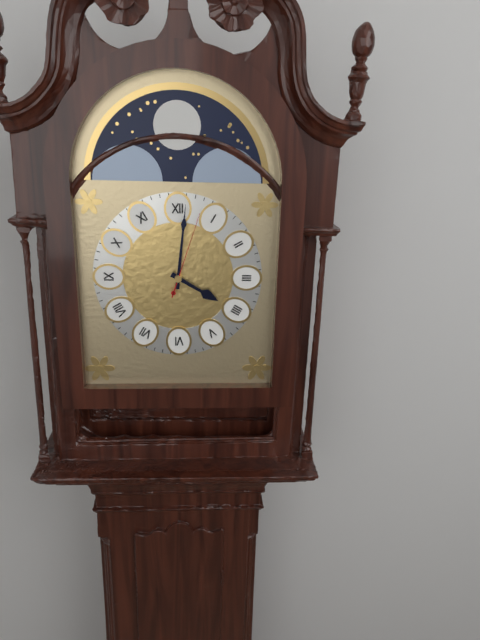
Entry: 4:01:03
